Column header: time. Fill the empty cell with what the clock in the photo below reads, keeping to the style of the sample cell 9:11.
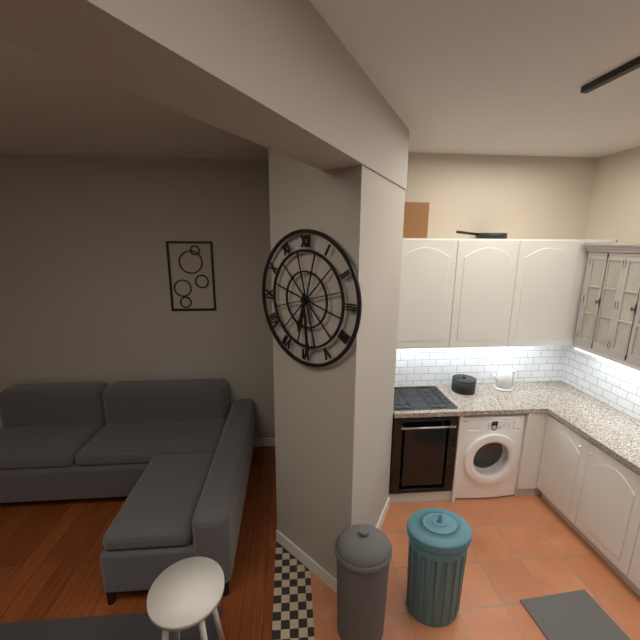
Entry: 6:29
